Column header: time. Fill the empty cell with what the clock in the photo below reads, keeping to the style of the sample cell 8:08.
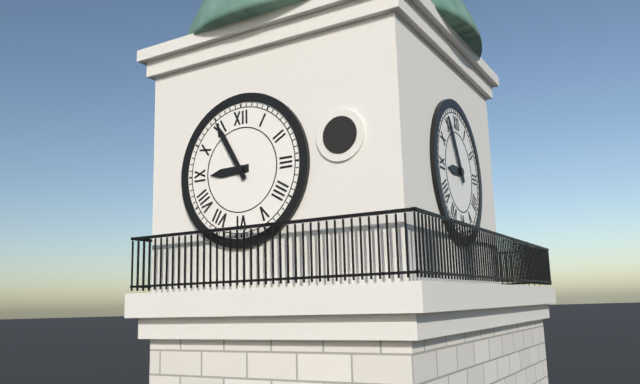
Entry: 8:55
